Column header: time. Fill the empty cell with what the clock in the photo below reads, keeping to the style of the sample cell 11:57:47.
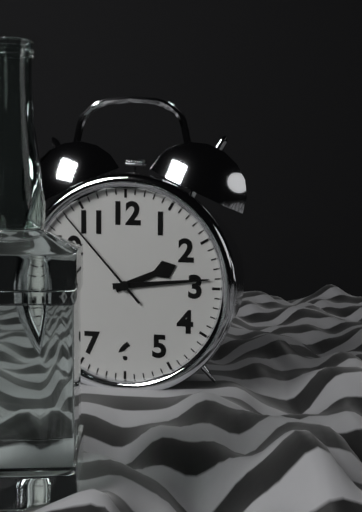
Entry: 2:14:53
